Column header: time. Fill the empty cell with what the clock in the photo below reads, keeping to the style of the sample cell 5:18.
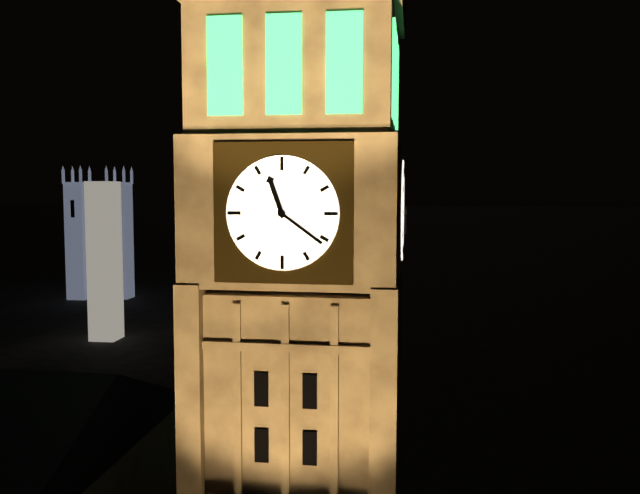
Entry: 11:21
